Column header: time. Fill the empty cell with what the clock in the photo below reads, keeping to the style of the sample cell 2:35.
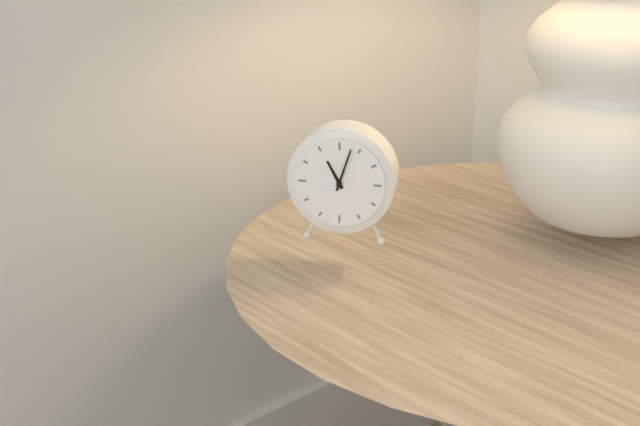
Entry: 11:03
